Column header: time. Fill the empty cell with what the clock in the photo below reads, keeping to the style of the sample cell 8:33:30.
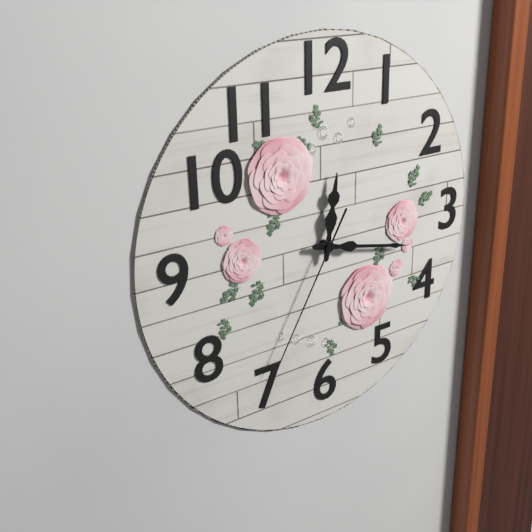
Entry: 12:17:35
